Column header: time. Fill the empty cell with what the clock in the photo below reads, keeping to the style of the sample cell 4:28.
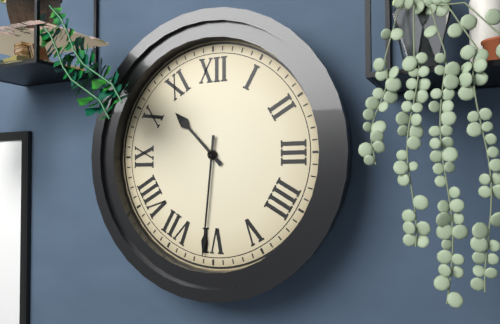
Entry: 10:31
